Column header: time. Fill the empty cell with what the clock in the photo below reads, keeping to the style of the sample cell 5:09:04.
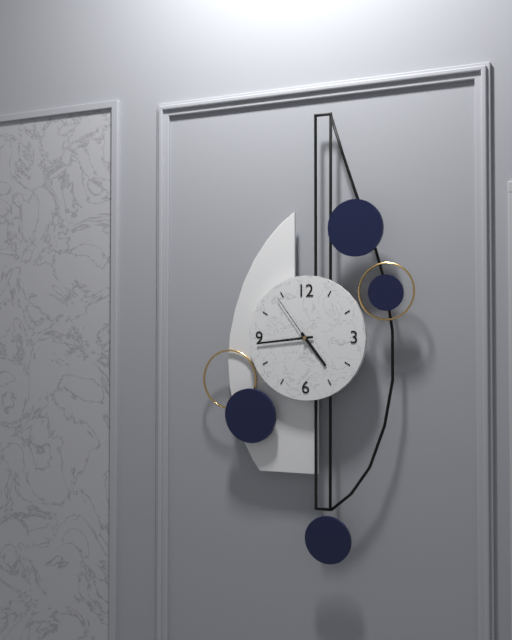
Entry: 4:44:54
